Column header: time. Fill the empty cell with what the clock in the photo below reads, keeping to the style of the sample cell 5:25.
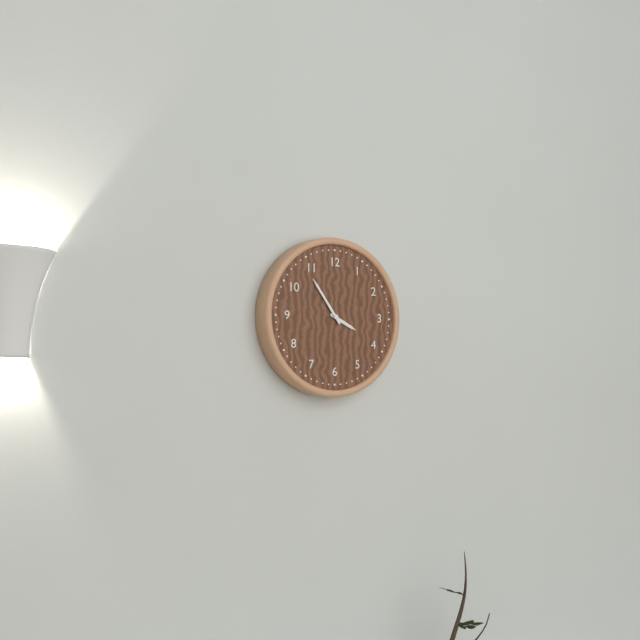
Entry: 3:54
